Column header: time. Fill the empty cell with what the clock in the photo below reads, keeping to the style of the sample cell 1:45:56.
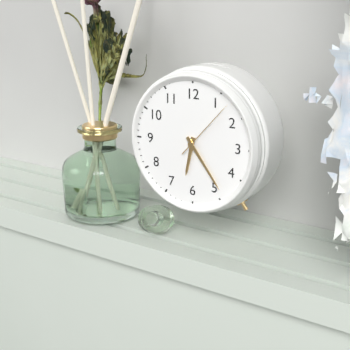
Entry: 6:24:07
